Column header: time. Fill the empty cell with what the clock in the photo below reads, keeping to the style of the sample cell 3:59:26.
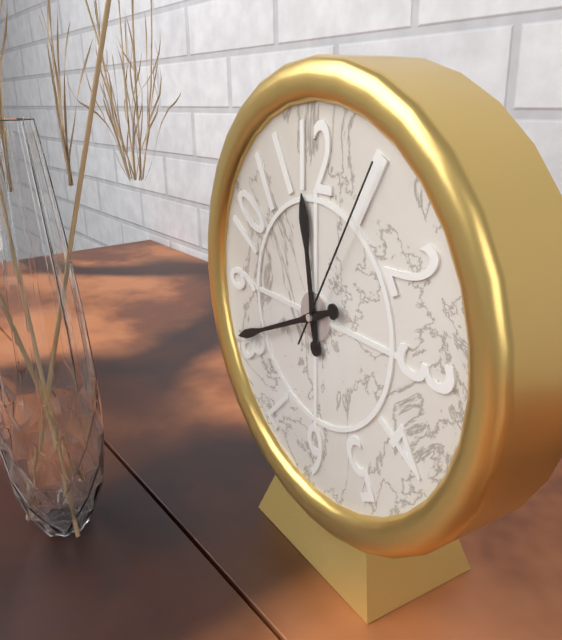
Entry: 11:41:05
